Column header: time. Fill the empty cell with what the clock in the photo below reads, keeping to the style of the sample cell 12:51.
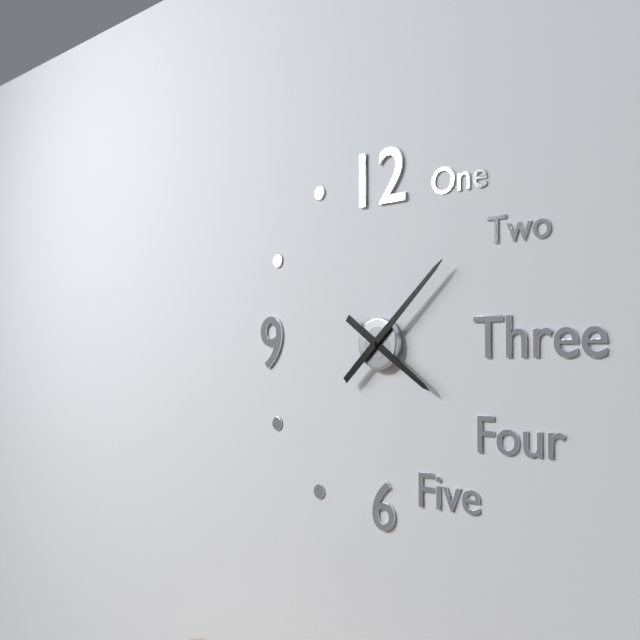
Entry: 4:08
